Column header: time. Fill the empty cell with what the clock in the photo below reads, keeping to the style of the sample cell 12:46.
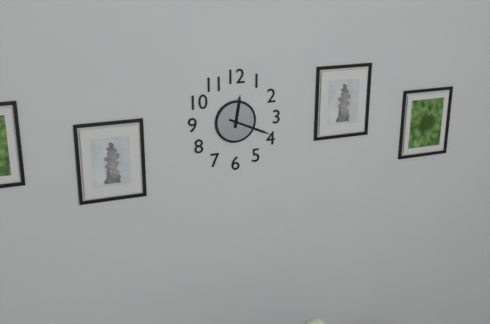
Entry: 12:19
